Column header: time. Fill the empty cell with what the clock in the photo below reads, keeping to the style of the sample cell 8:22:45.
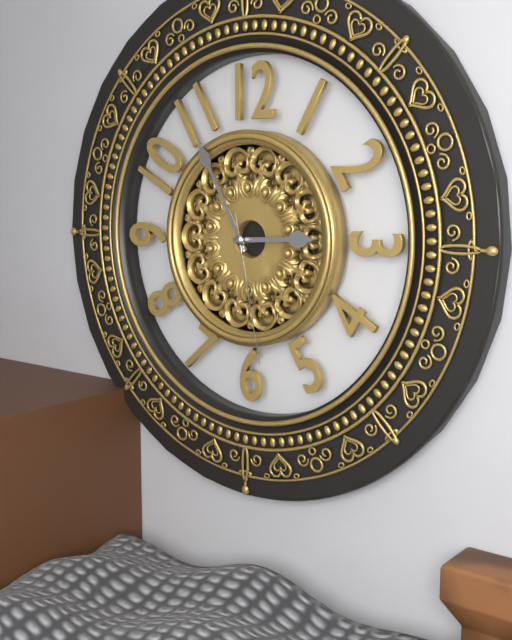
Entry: 2:55:28
